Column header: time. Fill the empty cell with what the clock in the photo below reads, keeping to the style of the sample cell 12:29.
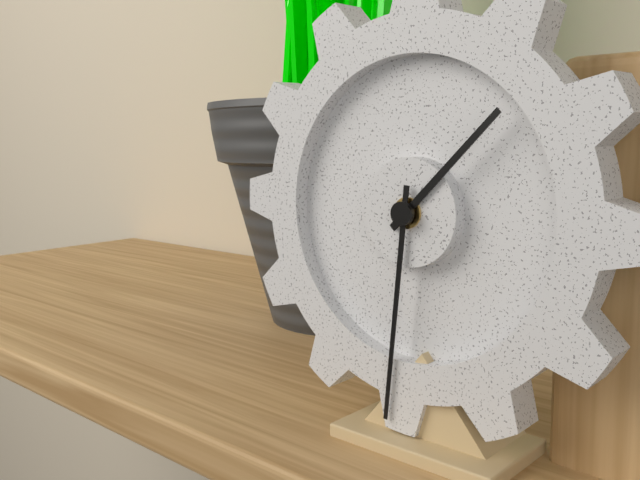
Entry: 1:31
